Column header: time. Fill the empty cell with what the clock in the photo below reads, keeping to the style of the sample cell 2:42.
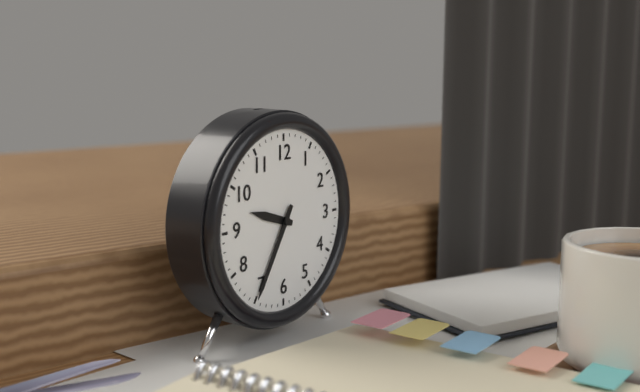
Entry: 9:35
